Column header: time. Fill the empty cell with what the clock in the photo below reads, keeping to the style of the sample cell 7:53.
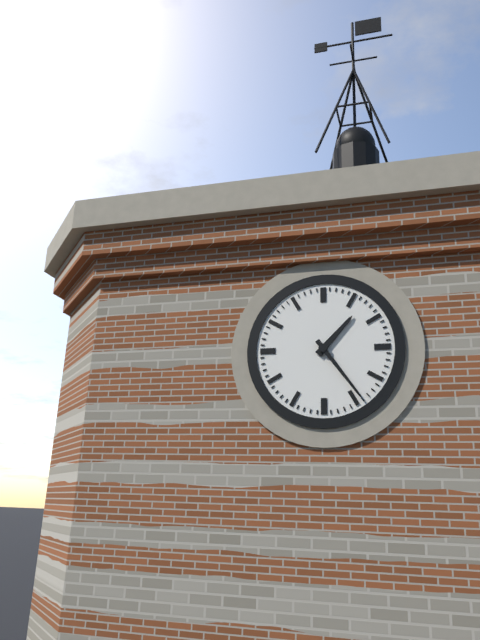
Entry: 1:24
